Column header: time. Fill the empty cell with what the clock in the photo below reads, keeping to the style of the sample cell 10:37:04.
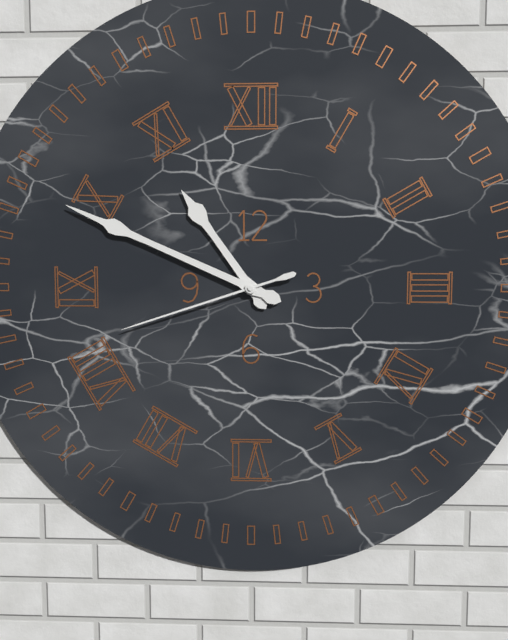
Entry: 10:49:42
